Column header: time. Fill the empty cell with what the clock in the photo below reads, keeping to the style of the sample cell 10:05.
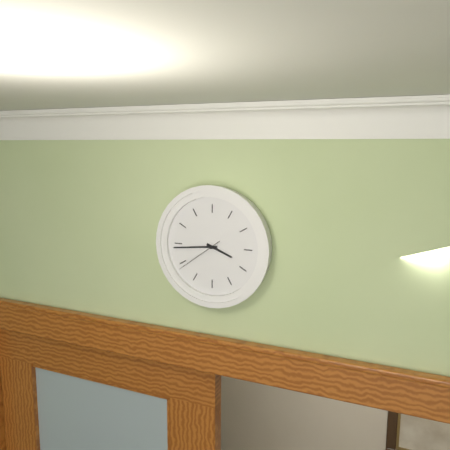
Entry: 3:44
